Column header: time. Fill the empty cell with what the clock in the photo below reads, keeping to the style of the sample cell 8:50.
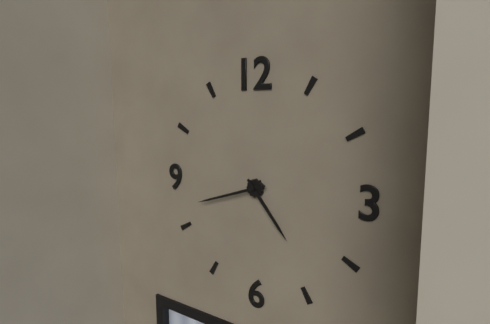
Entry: 4:42
